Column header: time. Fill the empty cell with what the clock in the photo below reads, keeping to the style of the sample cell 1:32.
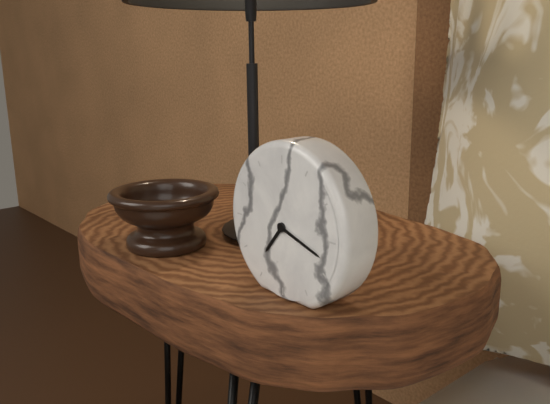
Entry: 7:18
